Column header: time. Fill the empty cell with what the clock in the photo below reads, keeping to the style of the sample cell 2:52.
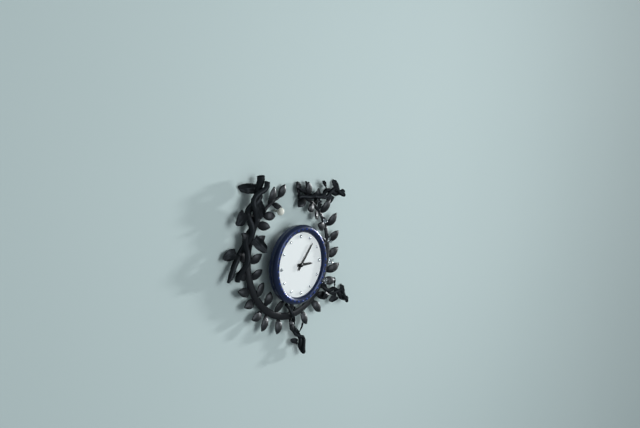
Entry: 3:07
